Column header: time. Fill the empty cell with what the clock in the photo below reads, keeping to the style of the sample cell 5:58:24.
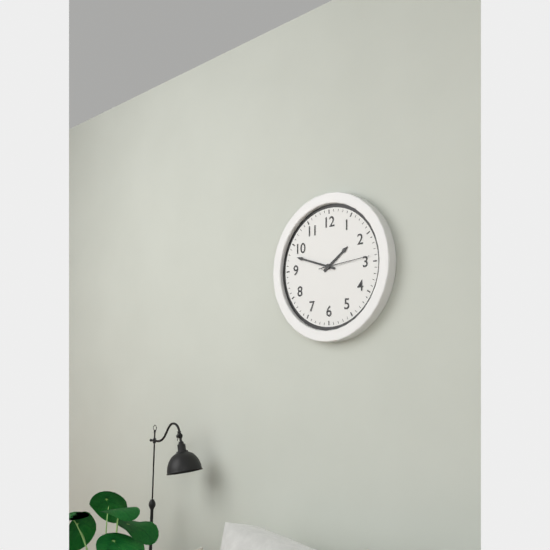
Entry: 1:48:14
